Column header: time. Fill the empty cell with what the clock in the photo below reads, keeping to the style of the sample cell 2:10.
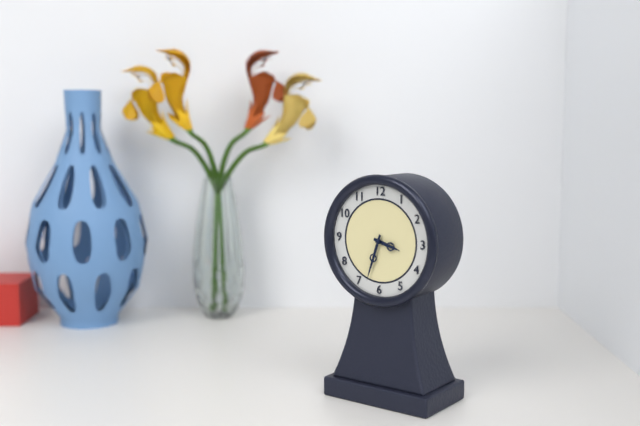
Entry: 3:33
